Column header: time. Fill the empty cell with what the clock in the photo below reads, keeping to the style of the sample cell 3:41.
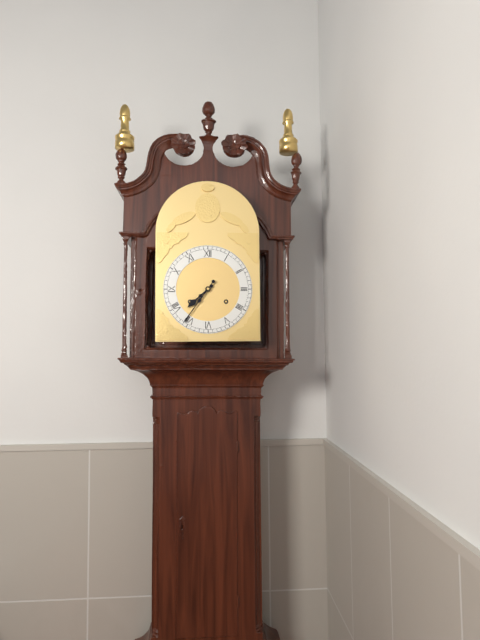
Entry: 7:36
